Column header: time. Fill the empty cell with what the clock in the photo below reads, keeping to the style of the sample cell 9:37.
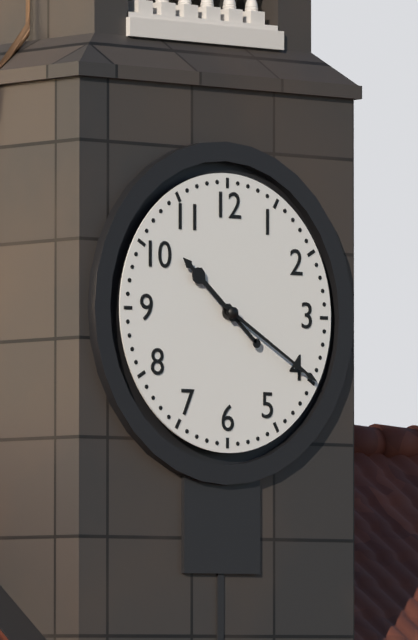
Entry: 10:20
